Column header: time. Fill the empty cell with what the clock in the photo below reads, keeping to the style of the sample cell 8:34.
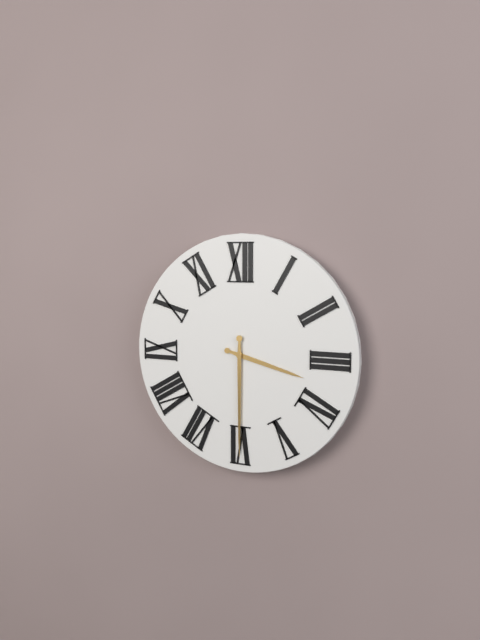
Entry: 3:30
